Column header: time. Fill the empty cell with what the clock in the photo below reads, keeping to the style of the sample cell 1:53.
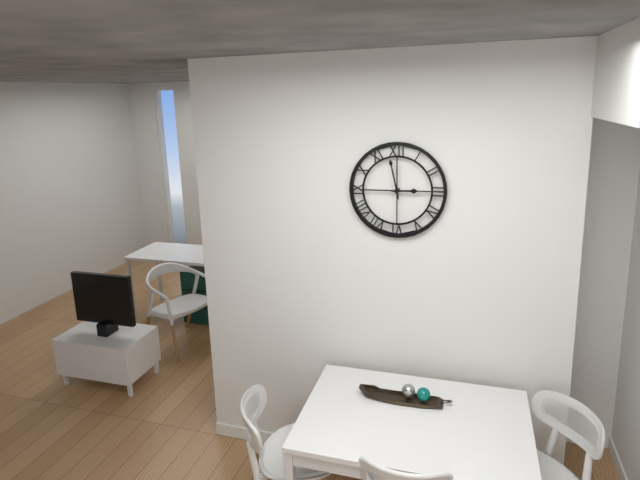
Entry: 2:58
